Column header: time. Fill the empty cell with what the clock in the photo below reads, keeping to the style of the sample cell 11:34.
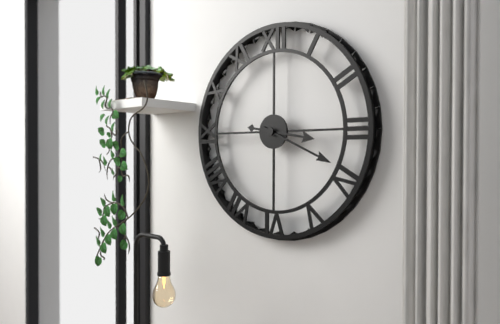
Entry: 3:19
